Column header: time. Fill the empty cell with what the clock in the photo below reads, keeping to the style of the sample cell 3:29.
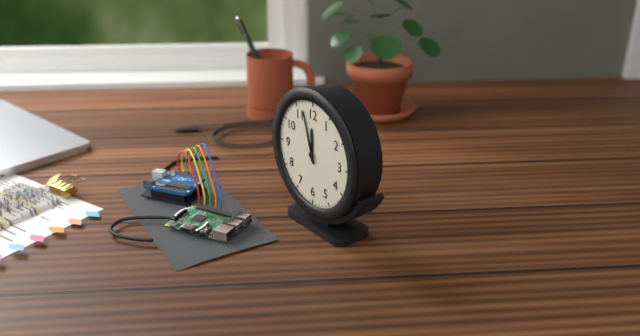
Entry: 11:57
